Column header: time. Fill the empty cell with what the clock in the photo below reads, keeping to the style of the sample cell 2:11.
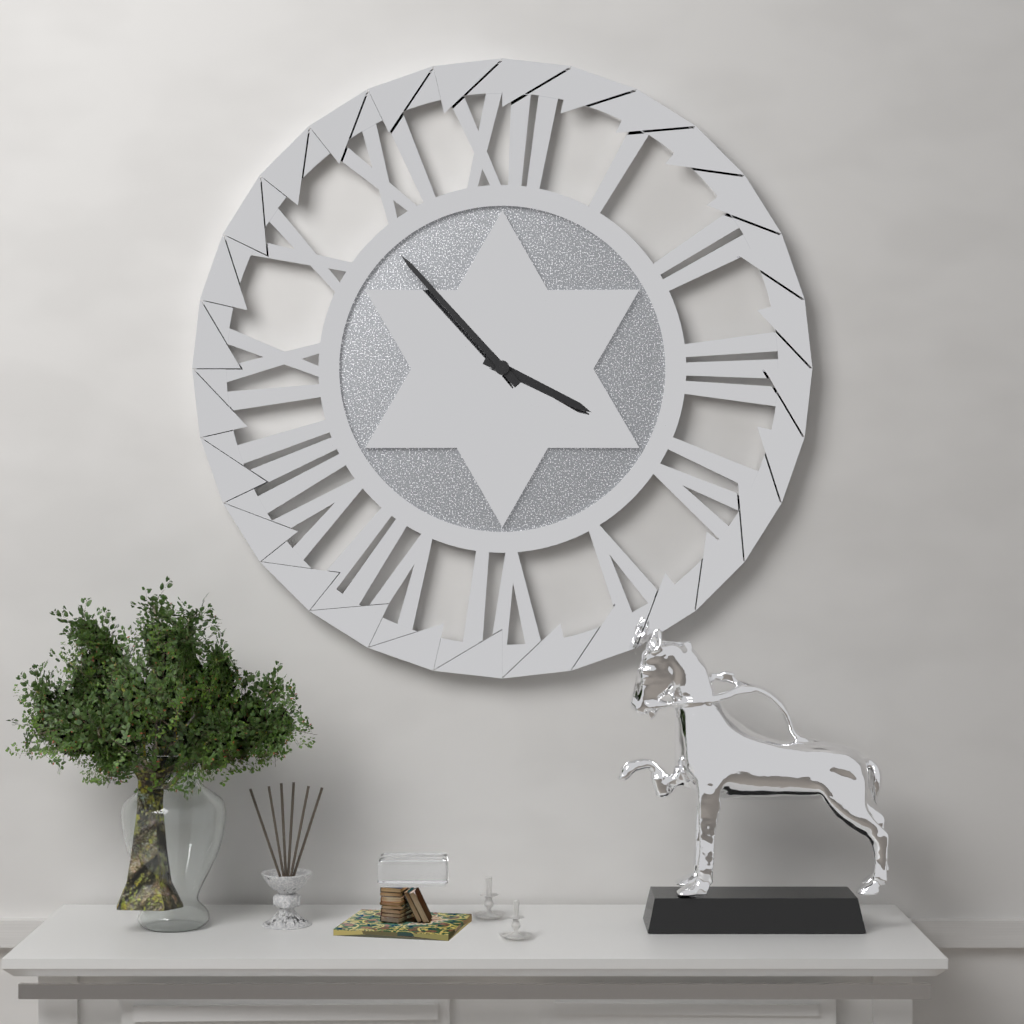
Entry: 3:53
